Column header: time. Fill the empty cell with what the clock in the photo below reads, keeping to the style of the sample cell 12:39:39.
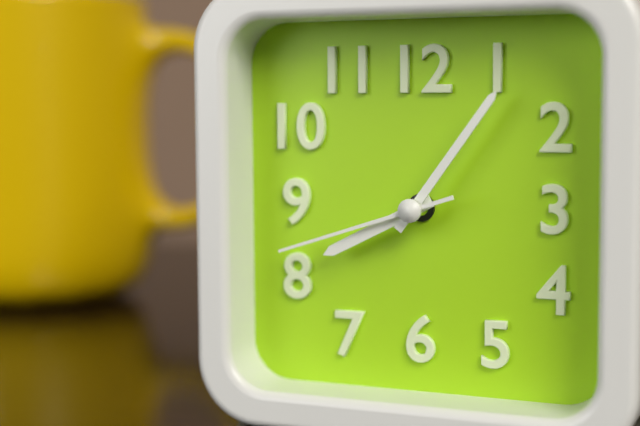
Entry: 8:06:42
